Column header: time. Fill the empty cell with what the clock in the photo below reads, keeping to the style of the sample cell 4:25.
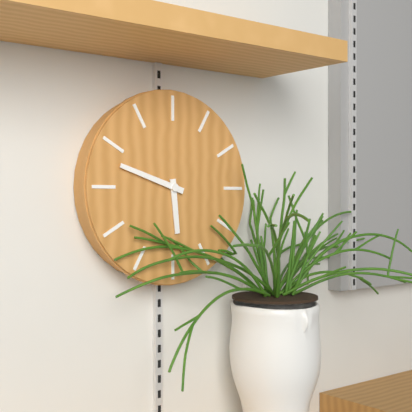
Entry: 5:48
